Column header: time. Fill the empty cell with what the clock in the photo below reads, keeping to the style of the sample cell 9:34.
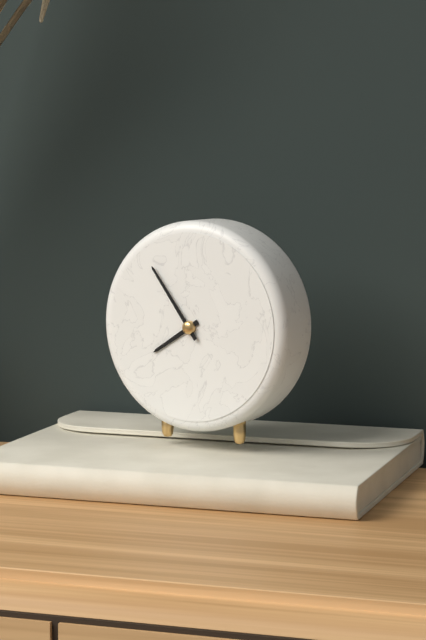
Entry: 7:54
